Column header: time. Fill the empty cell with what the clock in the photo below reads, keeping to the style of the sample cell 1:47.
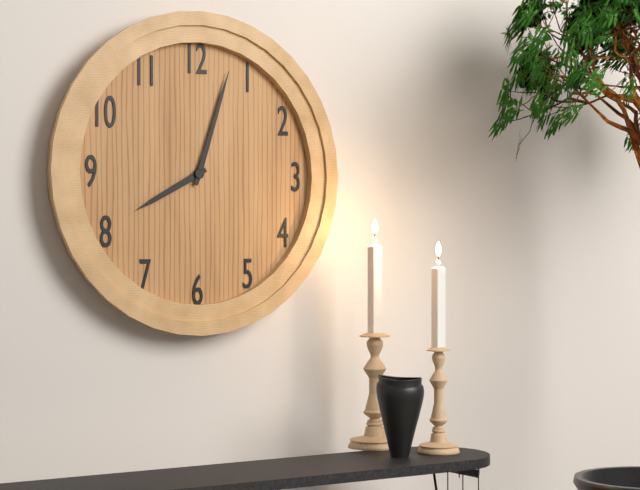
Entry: 8:03
